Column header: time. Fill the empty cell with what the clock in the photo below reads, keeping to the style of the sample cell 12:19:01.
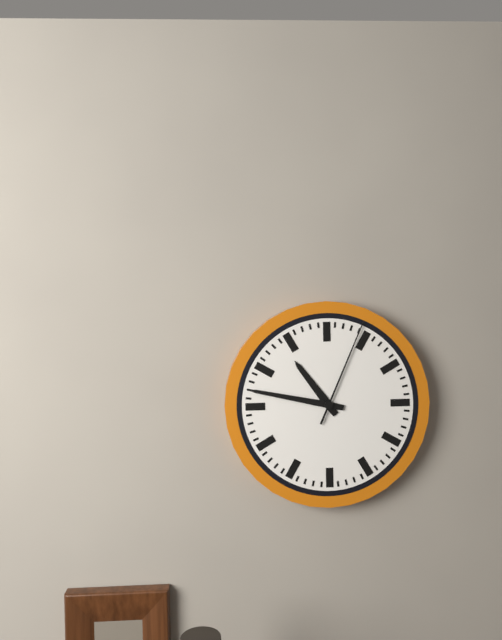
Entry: 10:47:04
